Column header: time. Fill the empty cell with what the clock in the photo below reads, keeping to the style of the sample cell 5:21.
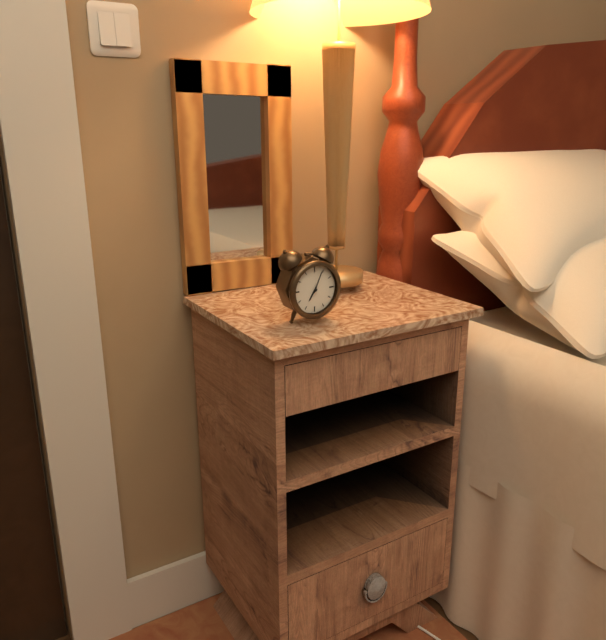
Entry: 7:04
